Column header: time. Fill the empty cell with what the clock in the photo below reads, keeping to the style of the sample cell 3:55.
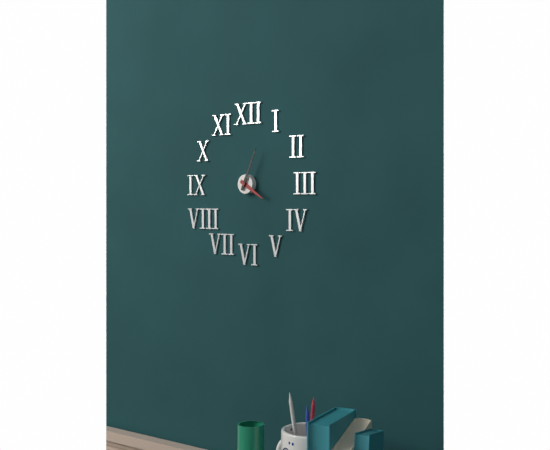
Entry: 4:04
